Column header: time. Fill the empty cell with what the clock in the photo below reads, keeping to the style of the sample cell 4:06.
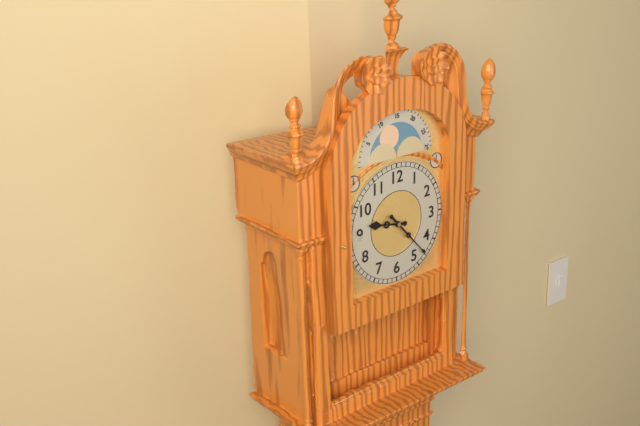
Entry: 9:23
